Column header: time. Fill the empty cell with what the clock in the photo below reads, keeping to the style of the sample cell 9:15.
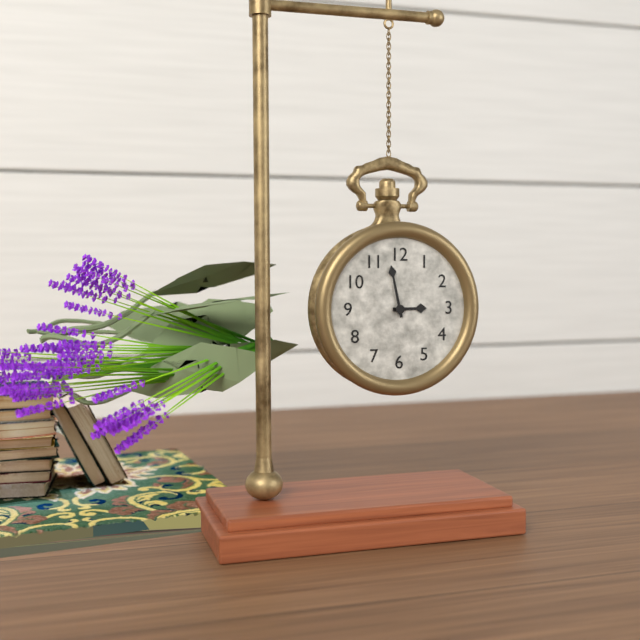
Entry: 2:58
